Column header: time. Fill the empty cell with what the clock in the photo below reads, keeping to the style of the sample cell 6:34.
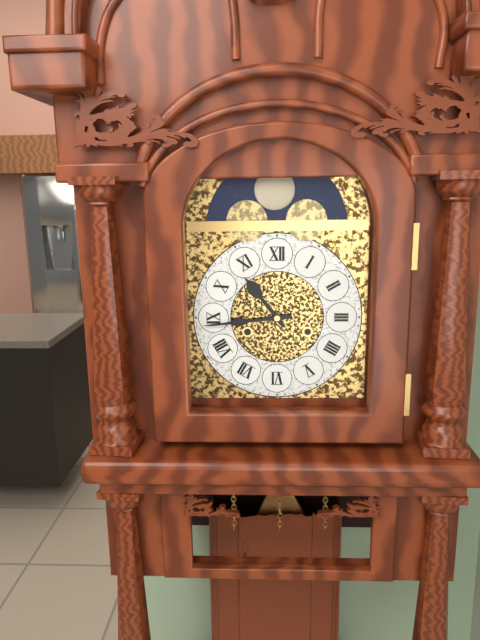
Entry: 10:44
